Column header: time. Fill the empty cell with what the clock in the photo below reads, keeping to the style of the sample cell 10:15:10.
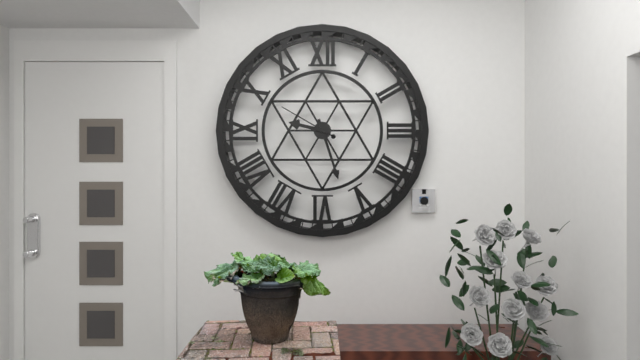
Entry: 9:27:50
